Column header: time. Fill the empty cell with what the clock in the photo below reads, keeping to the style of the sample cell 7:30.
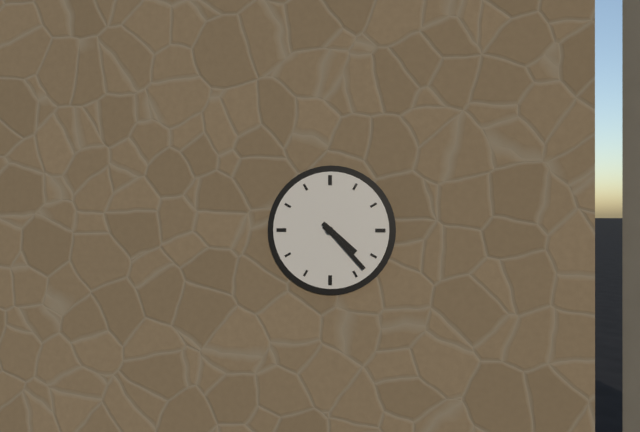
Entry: 4:23
